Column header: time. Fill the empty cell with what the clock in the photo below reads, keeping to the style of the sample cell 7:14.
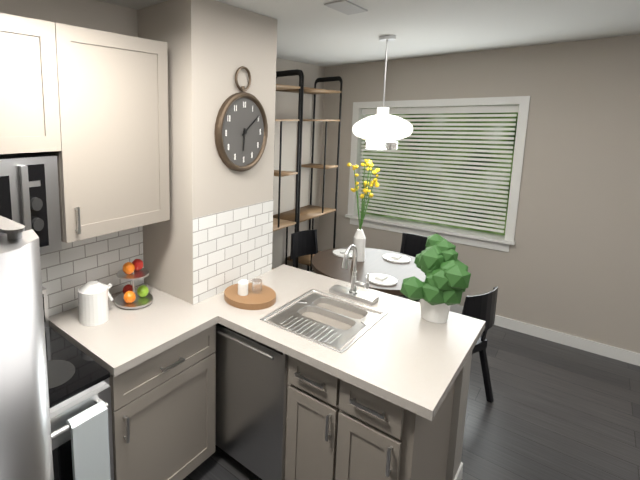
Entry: 6:09
